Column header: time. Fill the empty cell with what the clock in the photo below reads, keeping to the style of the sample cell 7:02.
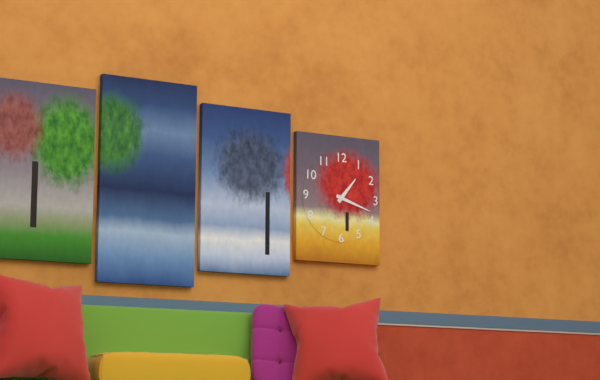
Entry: 1:18
